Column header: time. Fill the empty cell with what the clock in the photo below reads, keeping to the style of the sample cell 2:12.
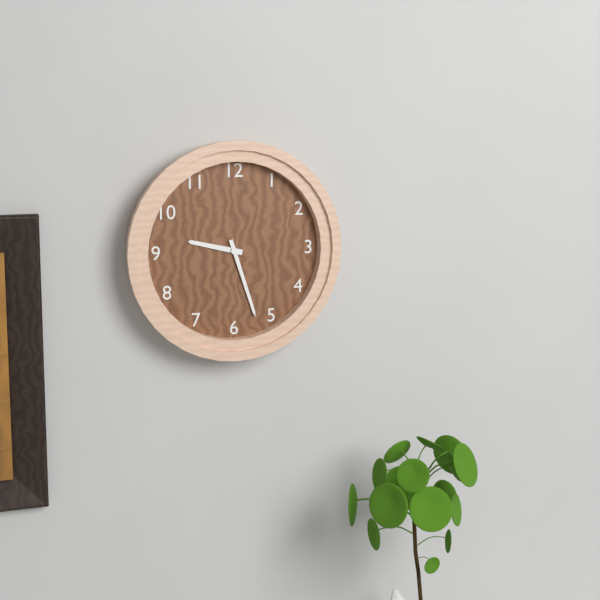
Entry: 9:27
